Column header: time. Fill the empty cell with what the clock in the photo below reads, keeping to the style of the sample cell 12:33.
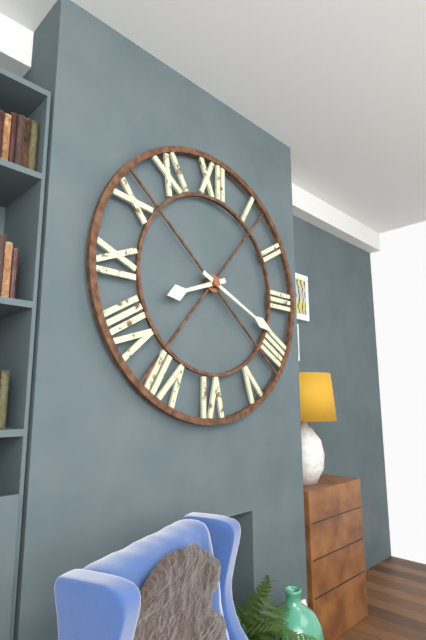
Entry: 8:19
